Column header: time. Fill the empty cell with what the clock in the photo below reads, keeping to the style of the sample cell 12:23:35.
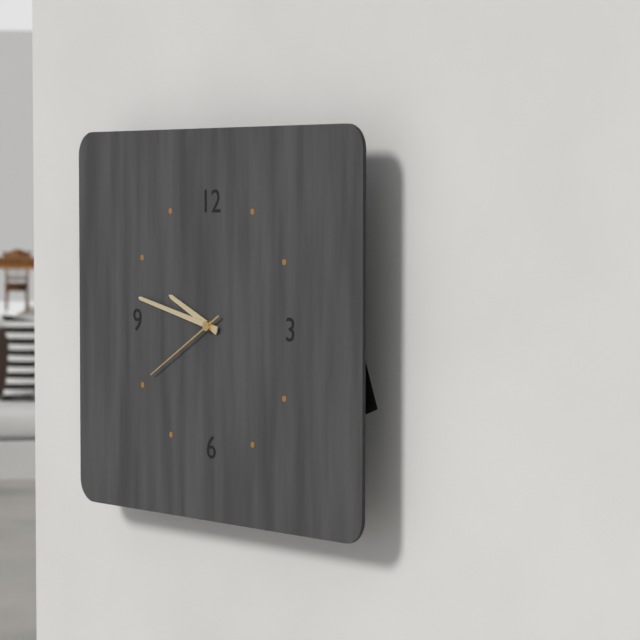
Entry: 9:47:40
